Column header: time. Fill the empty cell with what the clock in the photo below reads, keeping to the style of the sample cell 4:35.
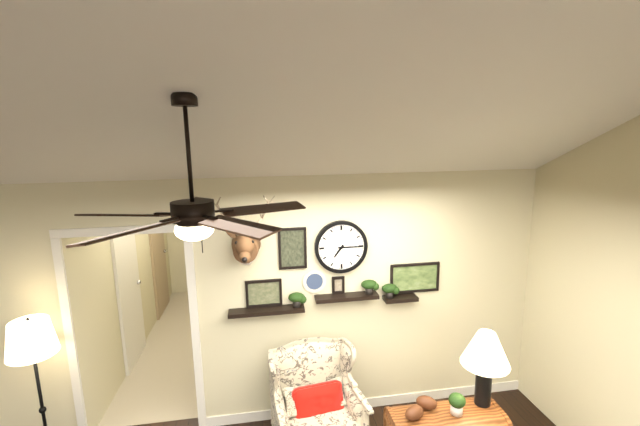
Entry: 7:15
